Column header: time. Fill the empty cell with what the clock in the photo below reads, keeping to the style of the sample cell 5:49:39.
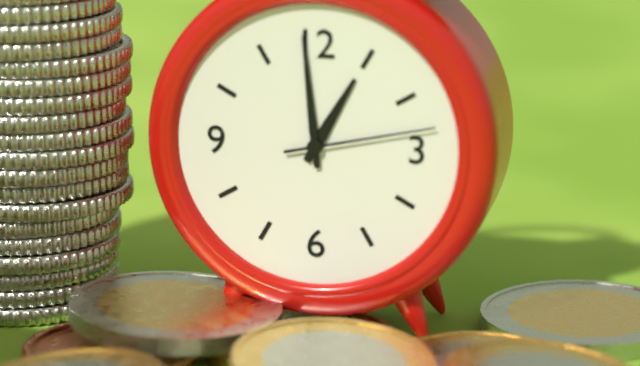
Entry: 12:59:13
